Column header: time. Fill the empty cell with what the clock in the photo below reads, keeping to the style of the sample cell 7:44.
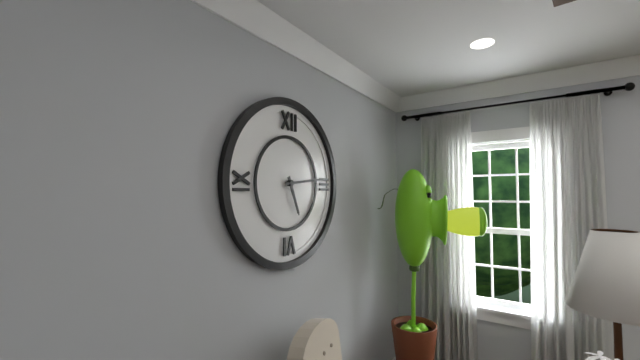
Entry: 5:14
